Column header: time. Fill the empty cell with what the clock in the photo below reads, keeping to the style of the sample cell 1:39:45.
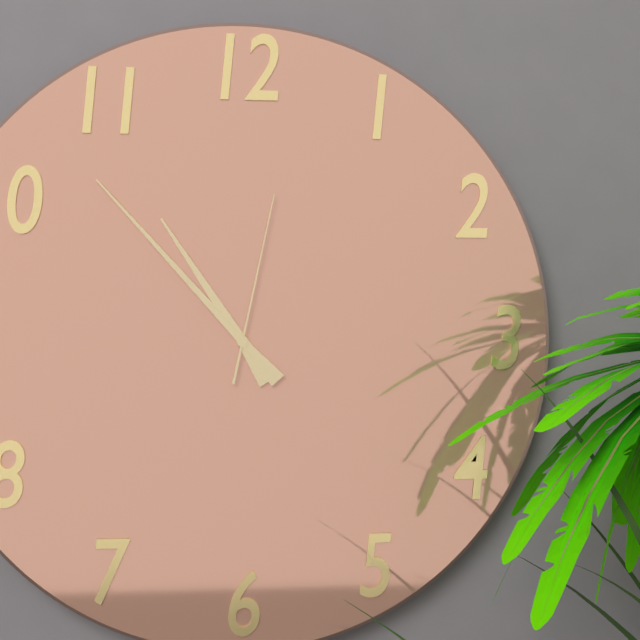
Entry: 10:53:02
